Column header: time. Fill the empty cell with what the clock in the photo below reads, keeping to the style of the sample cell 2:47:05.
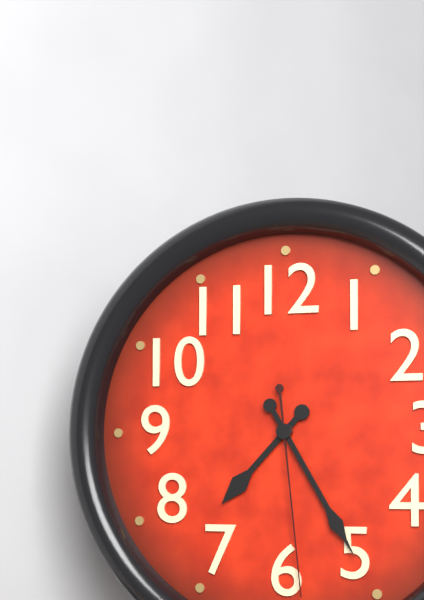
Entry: 7:25:29
